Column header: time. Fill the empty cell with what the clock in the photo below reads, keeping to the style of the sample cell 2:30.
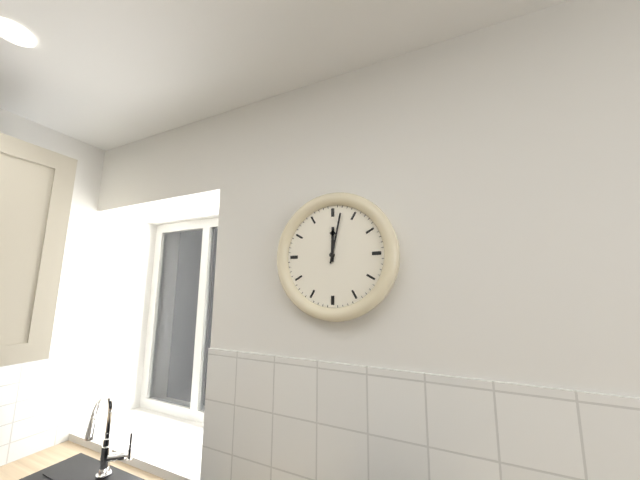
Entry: 12:02
